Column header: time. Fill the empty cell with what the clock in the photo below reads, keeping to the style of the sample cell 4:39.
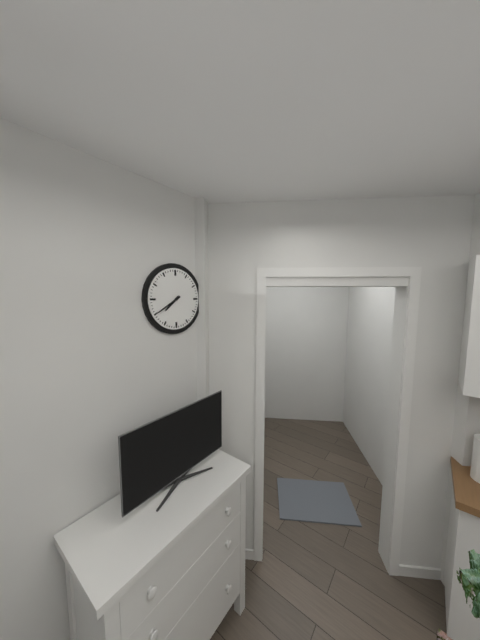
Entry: 7:40
